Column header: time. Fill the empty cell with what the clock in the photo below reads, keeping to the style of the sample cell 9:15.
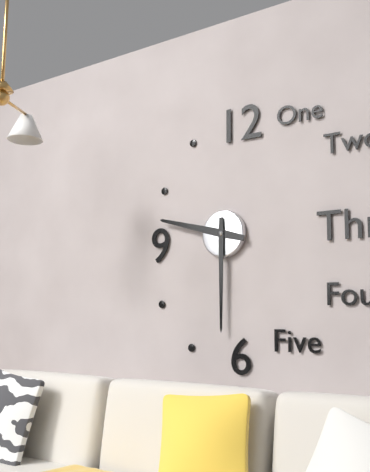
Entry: 9:30
